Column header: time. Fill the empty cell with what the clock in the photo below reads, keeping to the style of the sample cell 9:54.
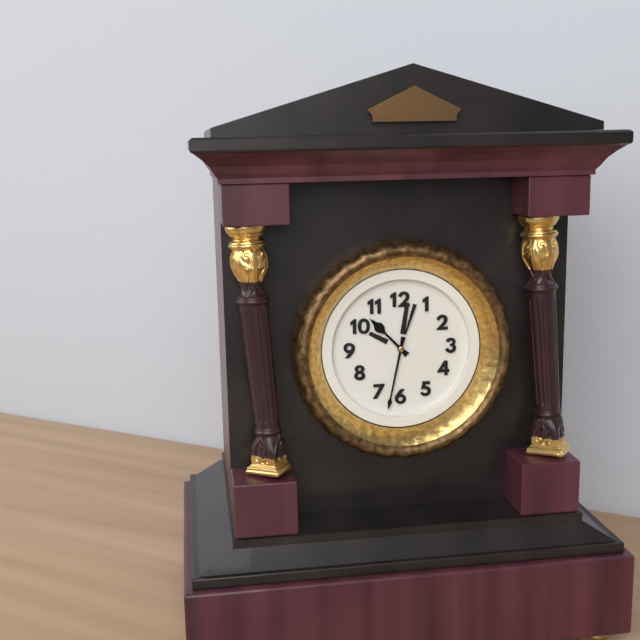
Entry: 10:32
